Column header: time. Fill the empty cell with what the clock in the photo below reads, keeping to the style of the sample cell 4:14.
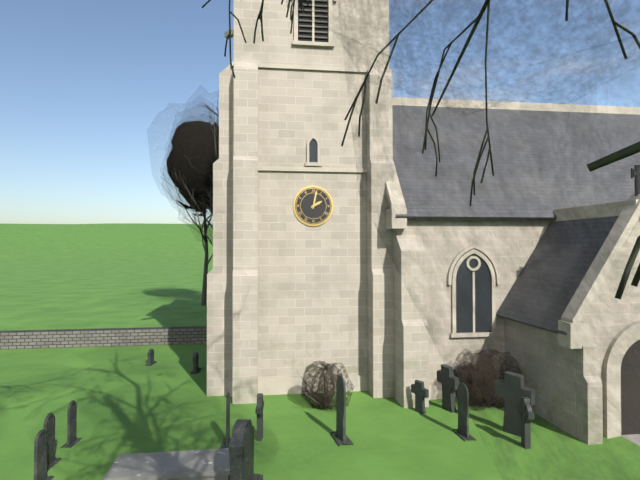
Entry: 2:02
